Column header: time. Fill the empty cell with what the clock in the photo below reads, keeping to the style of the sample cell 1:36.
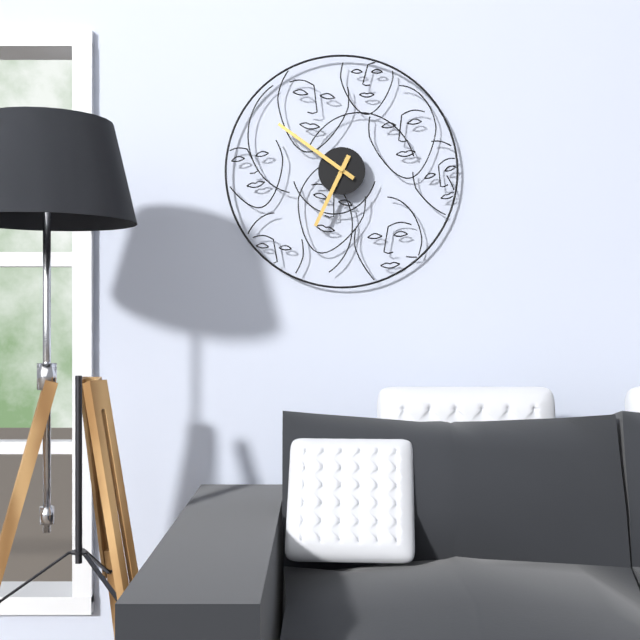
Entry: 6:51
